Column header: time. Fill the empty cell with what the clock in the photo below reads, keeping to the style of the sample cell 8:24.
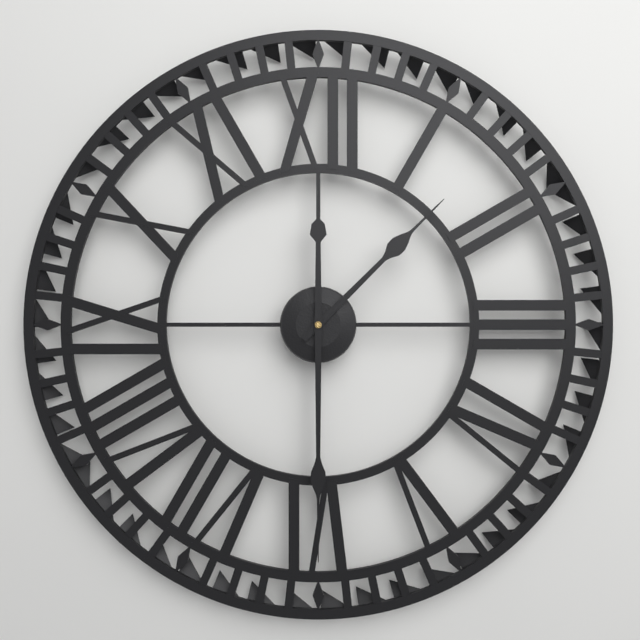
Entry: 1:30
